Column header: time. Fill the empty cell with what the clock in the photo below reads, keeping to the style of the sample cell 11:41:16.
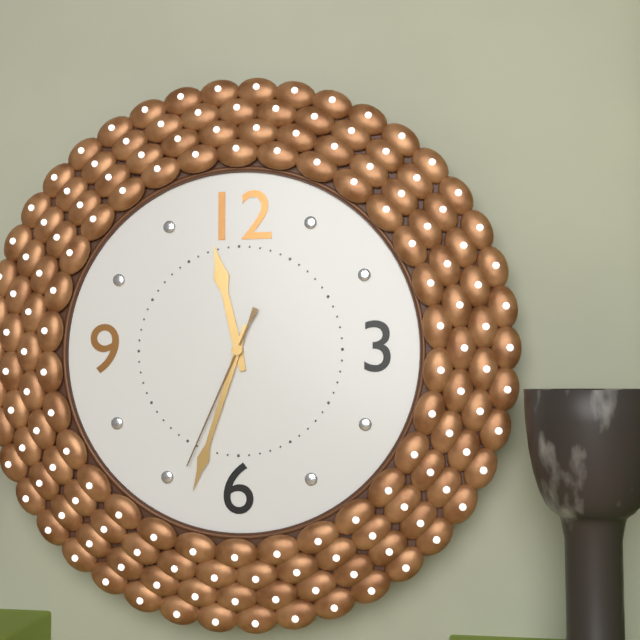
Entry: 11:33:34
